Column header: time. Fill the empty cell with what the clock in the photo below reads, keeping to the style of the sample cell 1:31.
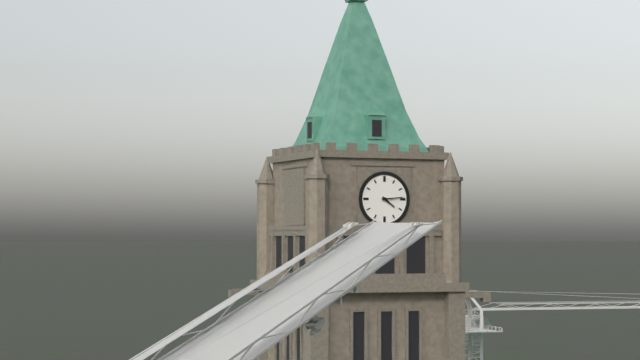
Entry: 4:14
